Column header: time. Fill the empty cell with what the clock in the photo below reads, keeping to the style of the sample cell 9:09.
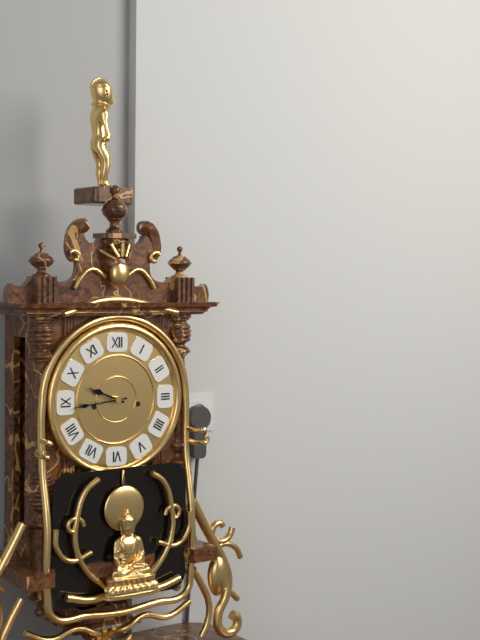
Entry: 9:44
